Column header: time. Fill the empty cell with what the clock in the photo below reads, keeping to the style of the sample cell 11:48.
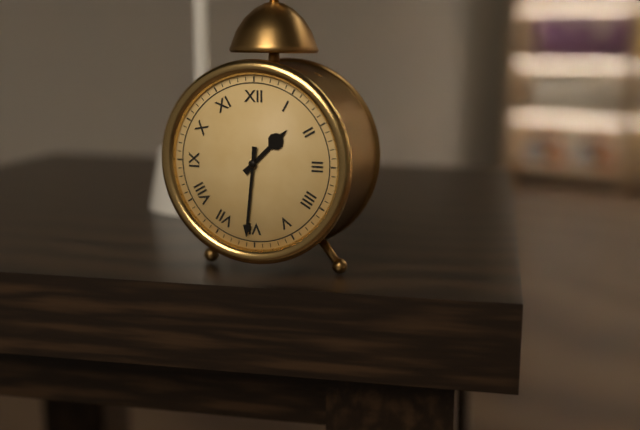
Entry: 1:31
